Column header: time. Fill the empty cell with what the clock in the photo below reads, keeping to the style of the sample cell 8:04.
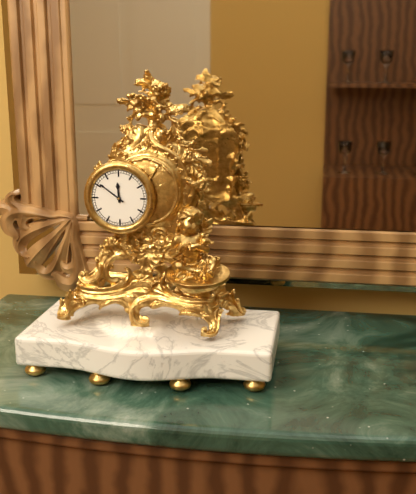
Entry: 11:51
